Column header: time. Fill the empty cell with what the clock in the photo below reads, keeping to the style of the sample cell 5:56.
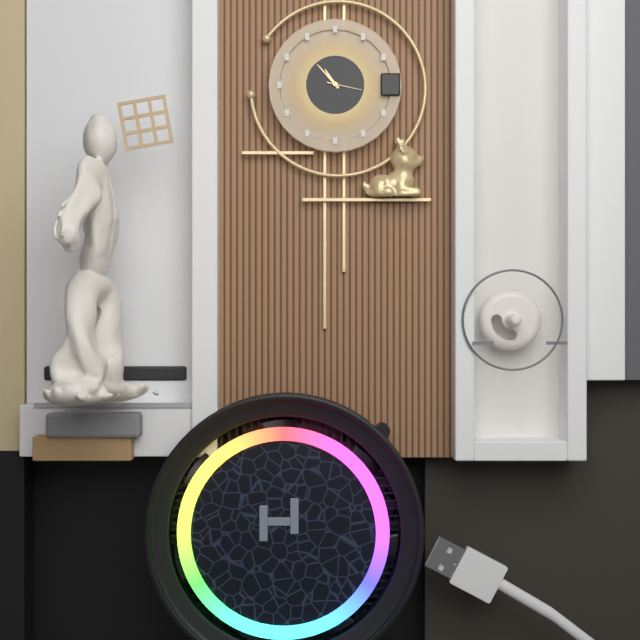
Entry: 10:53
